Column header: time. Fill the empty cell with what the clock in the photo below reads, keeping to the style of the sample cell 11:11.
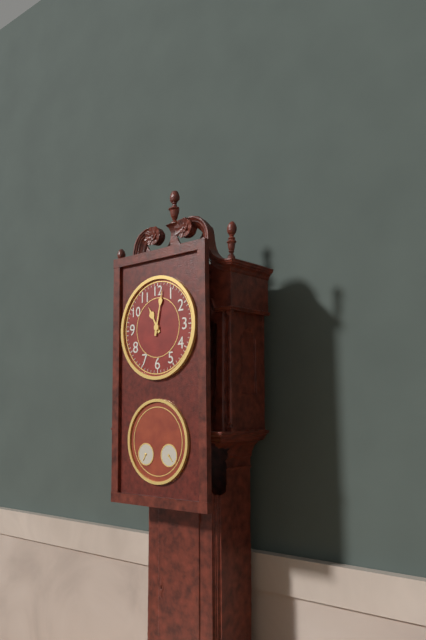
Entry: 11:02
